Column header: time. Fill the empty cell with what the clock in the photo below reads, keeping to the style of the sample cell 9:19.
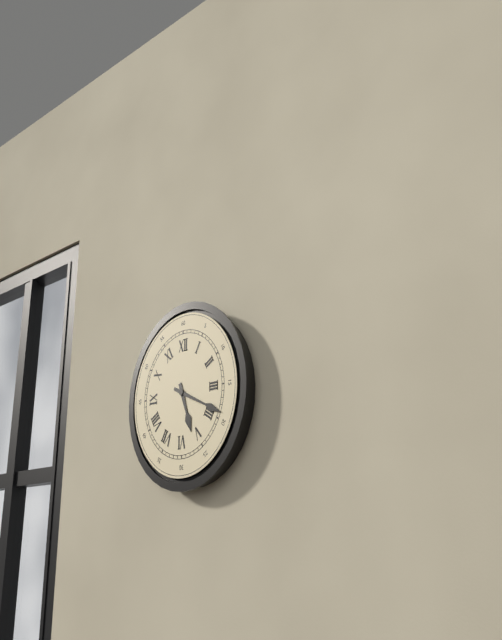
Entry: 5:19
